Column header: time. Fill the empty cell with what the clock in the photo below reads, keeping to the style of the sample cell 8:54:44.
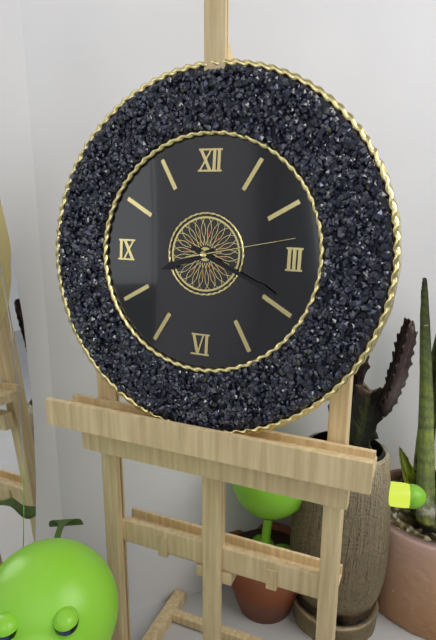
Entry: 8:19:13
